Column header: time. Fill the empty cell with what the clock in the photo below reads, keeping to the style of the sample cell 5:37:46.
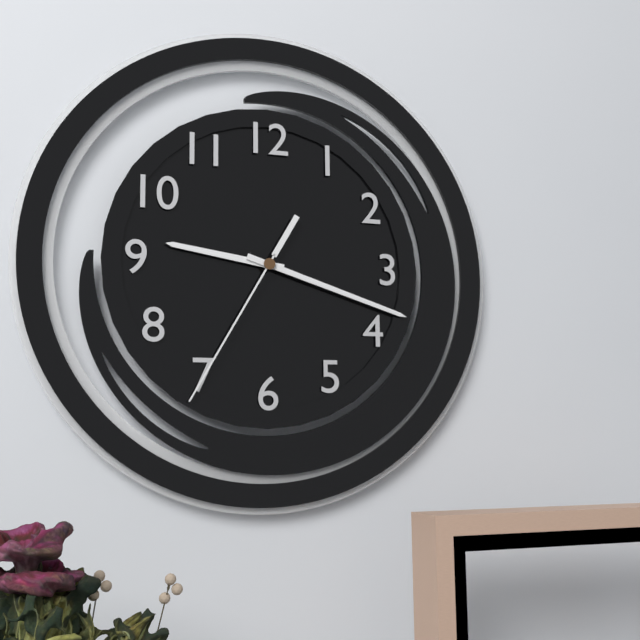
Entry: 9:18:35
